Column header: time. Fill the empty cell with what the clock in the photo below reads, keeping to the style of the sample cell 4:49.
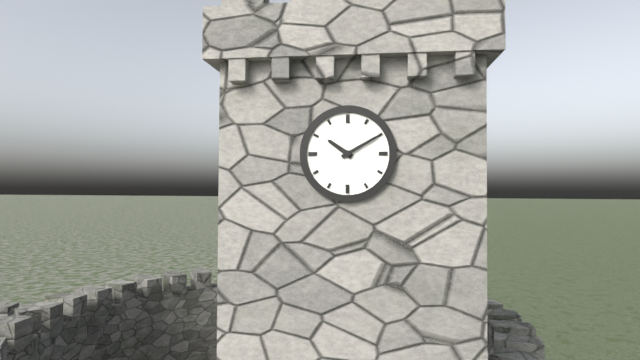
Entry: 10:10
